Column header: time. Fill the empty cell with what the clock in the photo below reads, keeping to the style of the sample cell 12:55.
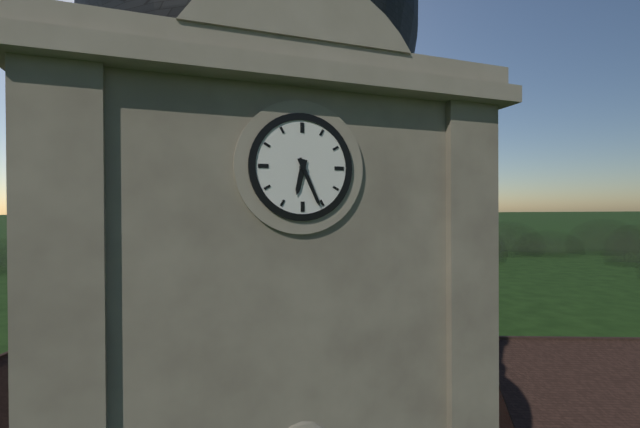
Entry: 6:26
